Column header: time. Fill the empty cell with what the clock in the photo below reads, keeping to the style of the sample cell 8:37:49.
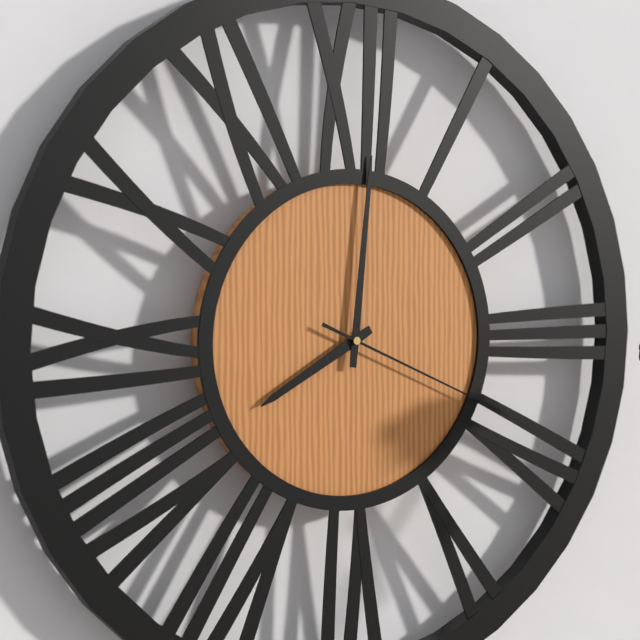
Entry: 8:01:19
